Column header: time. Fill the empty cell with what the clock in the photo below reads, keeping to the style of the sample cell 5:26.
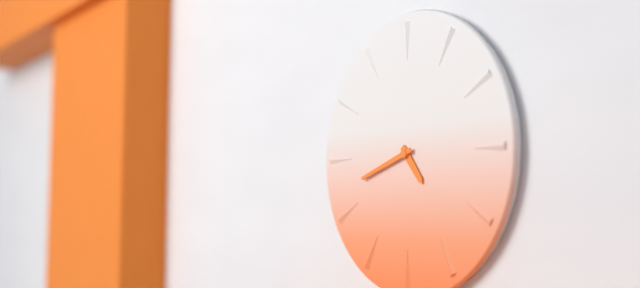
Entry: 4:42
